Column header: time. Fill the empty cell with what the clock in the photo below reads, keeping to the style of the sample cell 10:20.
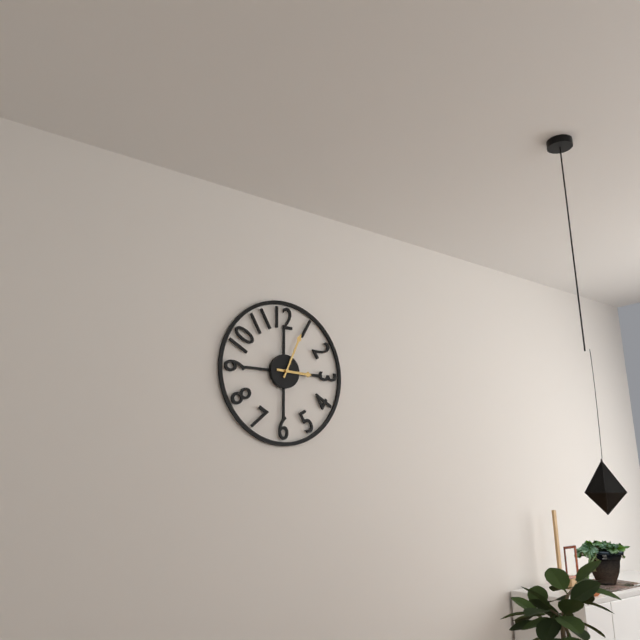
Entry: 3:04
